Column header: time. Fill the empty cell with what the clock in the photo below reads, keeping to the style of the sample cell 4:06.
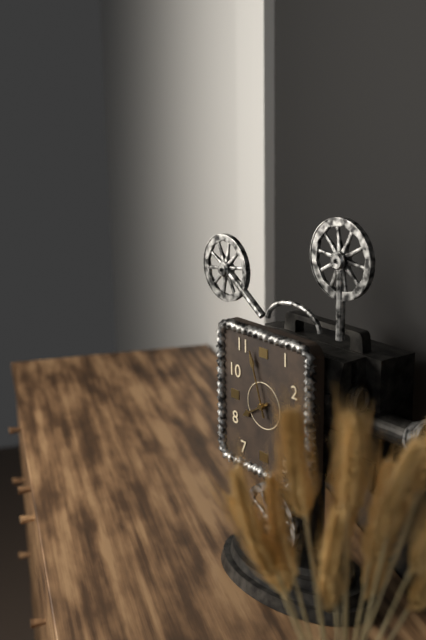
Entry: 7:57
